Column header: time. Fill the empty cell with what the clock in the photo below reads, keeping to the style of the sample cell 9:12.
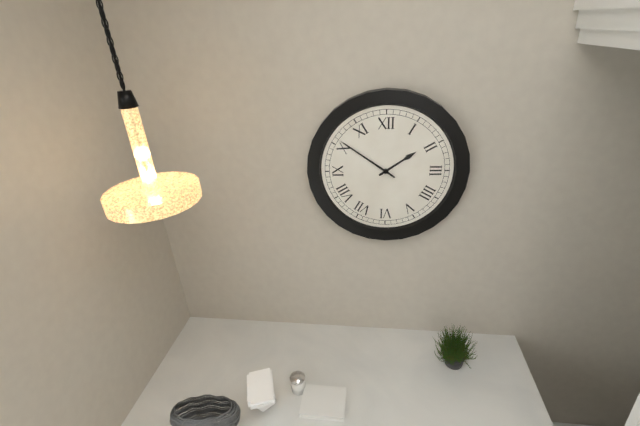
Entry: 1:51
